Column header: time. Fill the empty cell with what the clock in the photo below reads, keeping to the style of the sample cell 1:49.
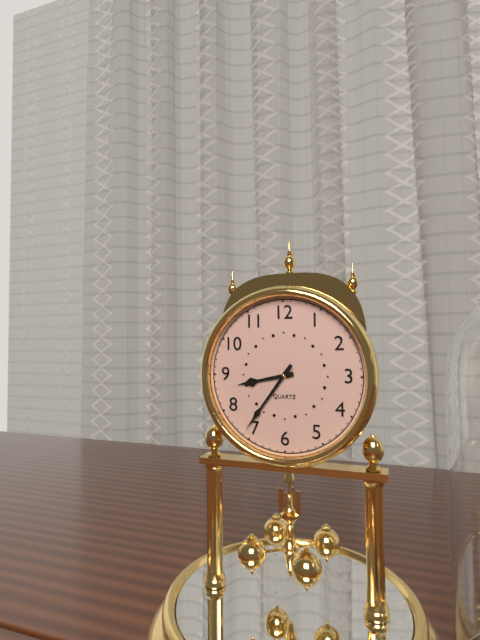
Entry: 8:36
